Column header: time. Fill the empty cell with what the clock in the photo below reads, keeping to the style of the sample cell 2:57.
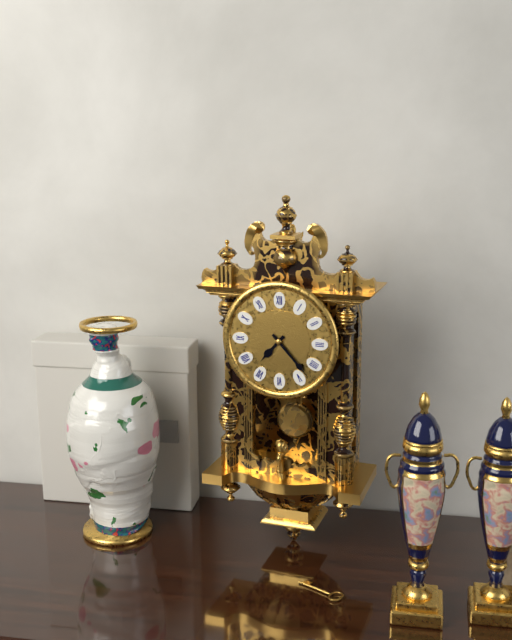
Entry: 7:23
